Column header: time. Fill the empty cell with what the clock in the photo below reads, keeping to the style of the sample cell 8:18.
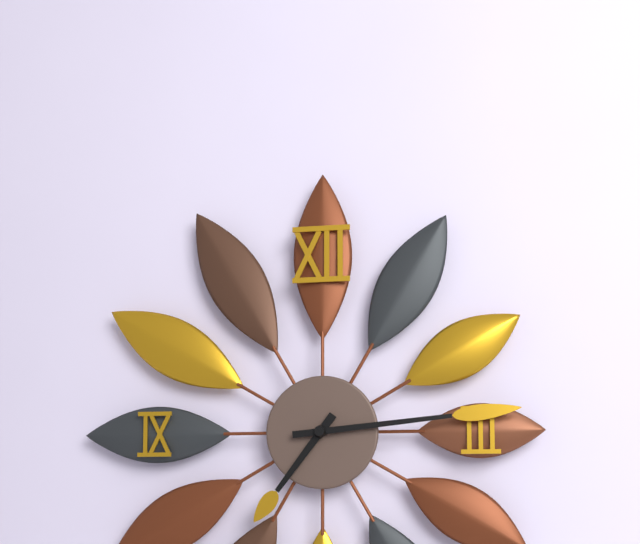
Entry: 7:14
